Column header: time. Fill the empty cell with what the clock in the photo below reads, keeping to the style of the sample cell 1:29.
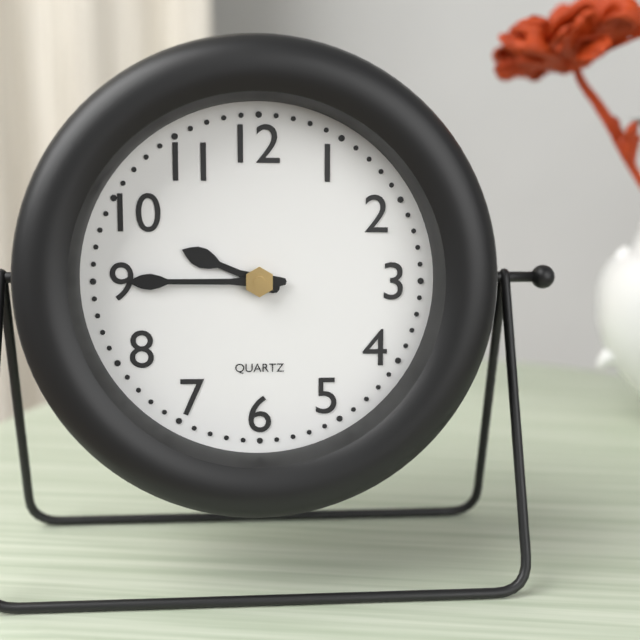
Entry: 9:45
